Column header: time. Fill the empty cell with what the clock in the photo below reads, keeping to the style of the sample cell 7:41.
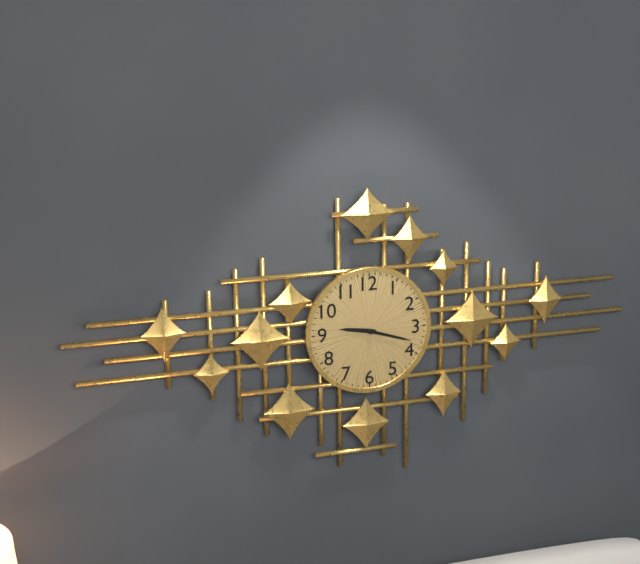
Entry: 9:18
